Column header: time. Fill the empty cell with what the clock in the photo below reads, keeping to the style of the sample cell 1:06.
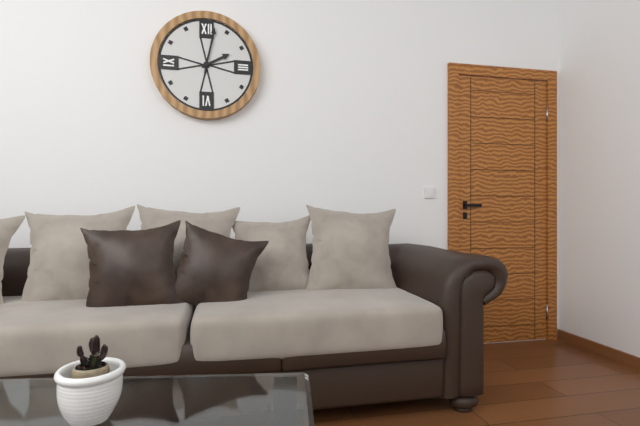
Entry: 2:02
